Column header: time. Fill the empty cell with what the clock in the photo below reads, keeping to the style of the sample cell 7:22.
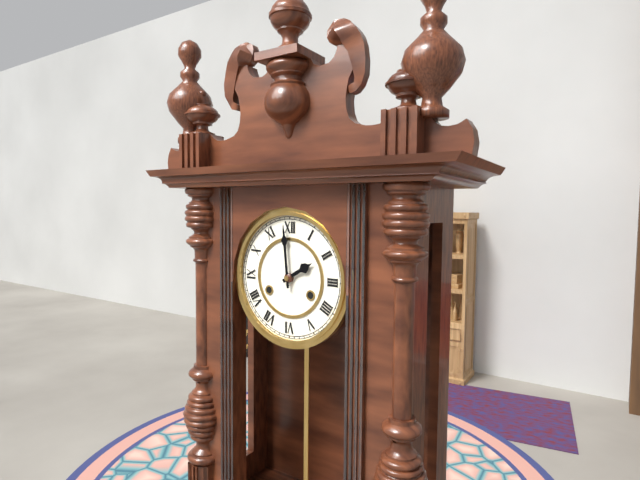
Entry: 1:59
